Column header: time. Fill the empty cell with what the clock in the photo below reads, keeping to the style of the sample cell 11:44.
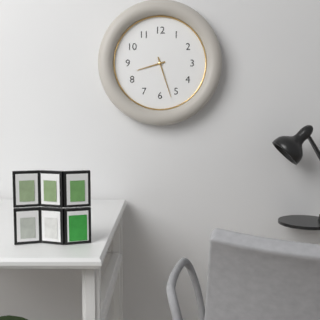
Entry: 8:27
